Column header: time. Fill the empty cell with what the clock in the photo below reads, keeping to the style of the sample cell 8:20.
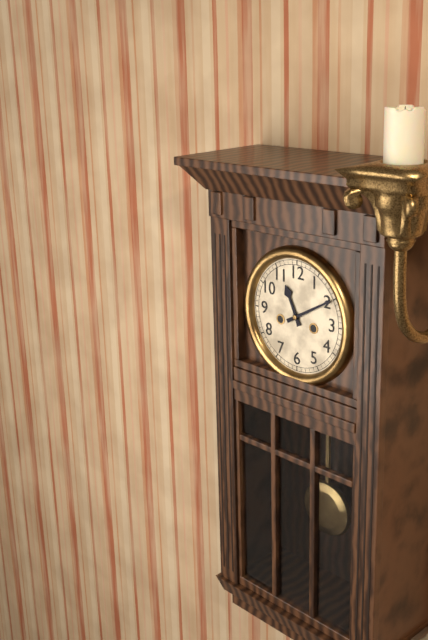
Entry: 11:10
